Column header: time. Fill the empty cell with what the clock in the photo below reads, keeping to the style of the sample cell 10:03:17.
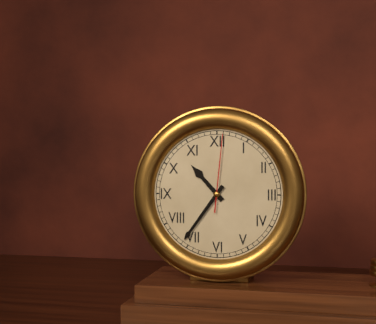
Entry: 10:36:01
